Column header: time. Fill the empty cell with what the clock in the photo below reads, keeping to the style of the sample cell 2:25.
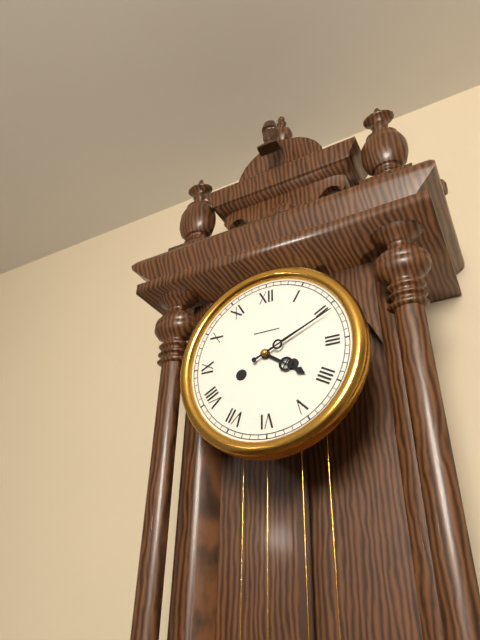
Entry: 4:11
